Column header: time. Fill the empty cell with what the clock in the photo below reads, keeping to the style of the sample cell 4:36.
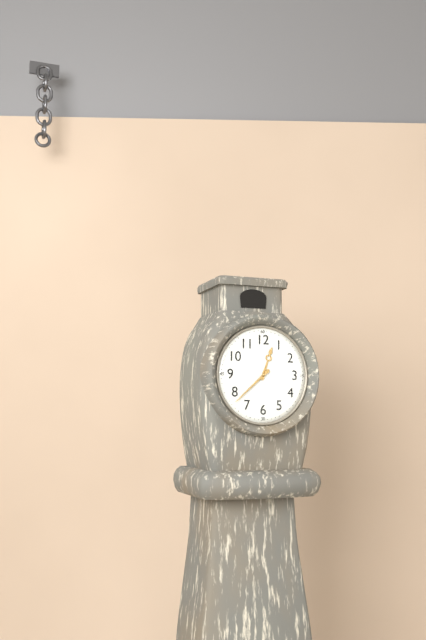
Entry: 12:38
